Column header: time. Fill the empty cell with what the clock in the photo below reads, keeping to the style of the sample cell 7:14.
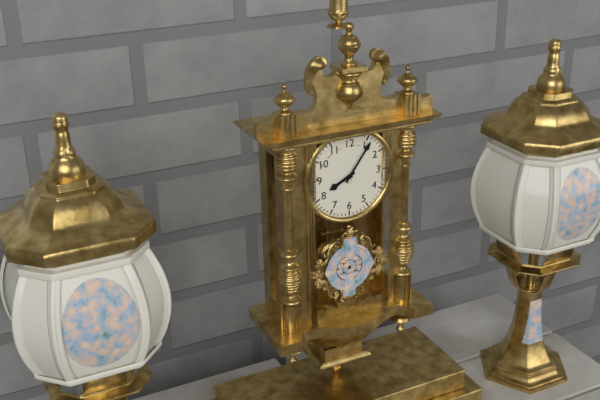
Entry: 8:06
